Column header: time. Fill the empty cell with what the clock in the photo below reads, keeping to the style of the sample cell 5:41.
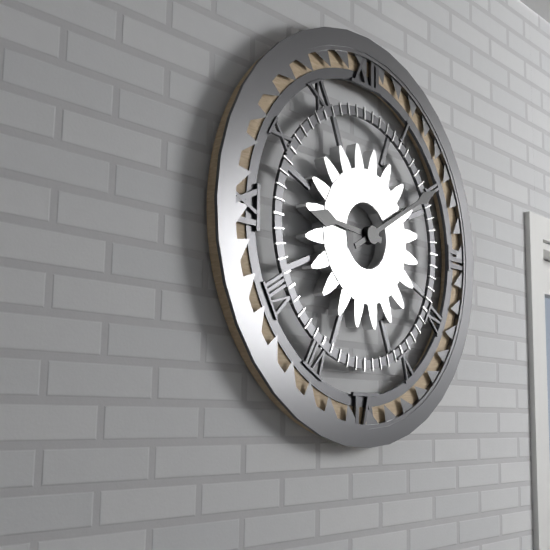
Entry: 9:10
